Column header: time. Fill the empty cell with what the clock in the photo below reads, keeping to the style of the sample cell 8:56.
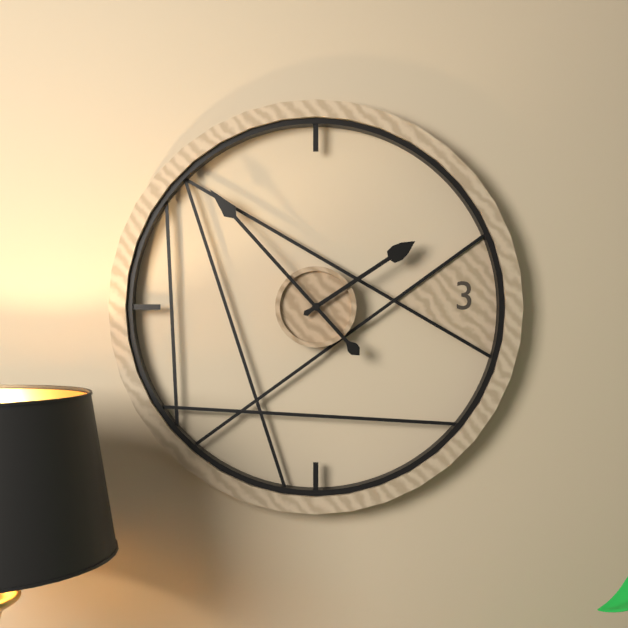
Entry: 1:53
